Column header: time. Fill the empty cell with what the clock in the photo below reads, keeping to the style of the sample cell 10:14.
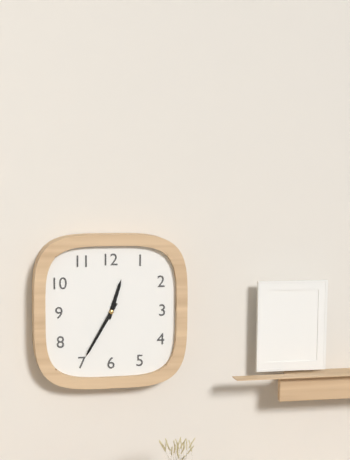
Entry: 12:35
